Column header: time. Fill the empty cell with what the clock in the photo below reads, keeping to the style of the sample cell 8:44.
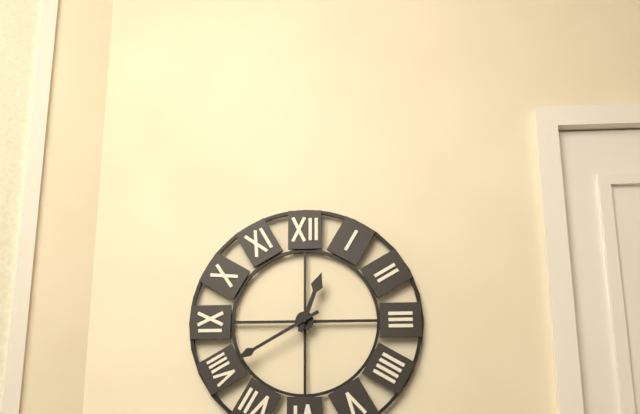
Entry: 12:40
